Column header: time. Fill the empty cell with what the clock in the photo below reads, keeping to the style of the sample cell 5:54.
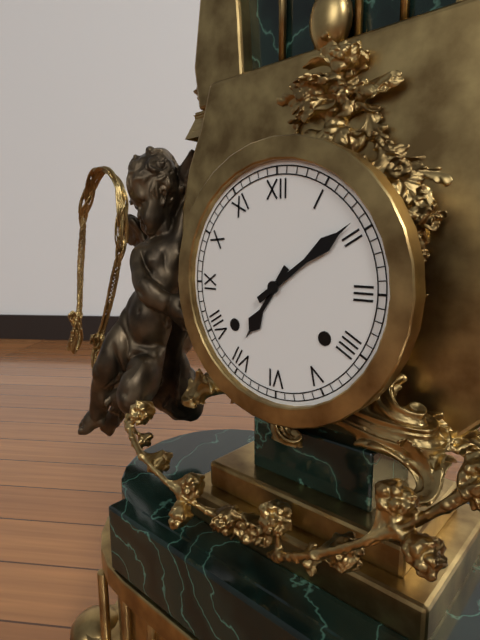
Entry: 7:09
